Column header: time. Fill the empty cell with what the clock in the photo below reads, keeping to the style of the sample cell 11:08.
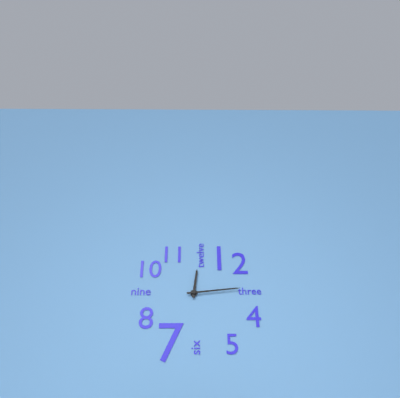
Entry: 12:14
